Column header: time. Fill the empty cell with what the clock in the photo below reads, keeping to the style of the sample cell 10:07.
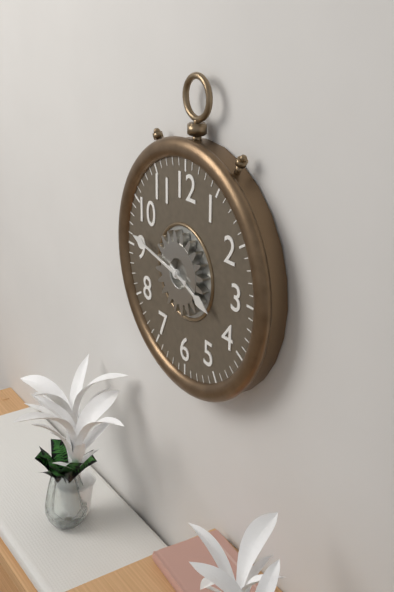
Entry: 3:47
